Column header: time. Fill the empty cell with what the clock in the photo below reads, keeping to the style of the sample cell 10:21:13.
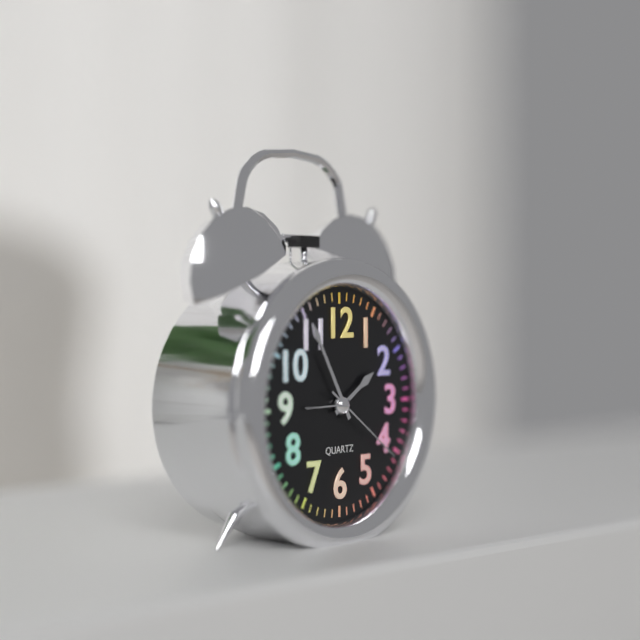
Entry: 1:55:21
